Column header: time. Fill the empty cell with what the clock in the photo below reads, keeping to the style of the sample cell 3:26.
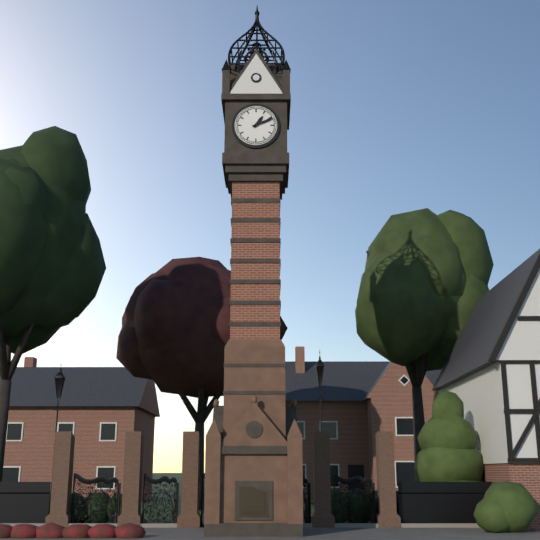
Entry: 1:11
